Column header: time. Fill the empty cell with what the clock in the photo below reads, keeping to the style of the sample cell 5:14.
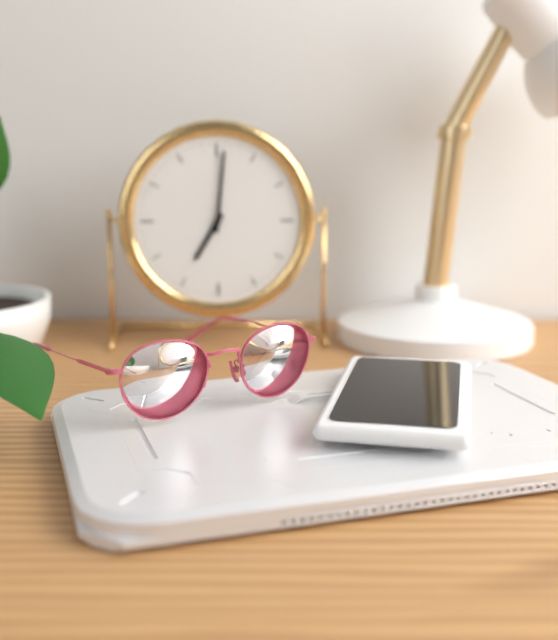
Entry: 7:01
